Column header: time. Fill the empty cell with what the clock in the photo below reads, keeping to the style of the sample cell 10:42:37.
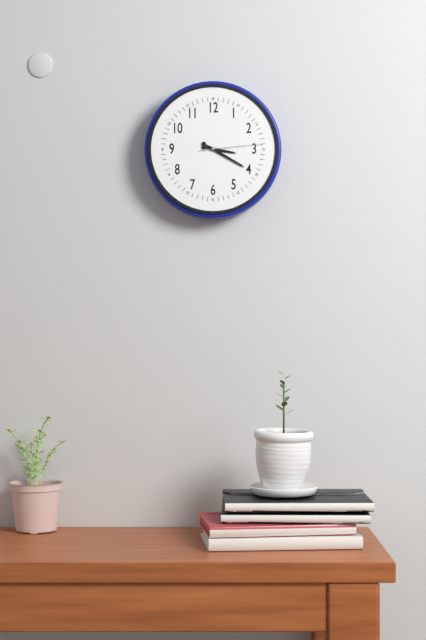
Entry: 3:20:14
